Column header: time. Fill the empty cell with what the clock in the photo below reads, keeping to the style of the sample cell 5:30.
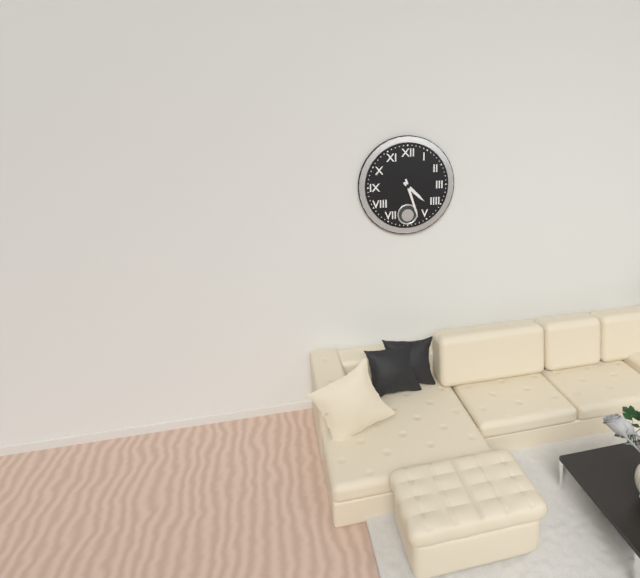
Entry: 4:27
